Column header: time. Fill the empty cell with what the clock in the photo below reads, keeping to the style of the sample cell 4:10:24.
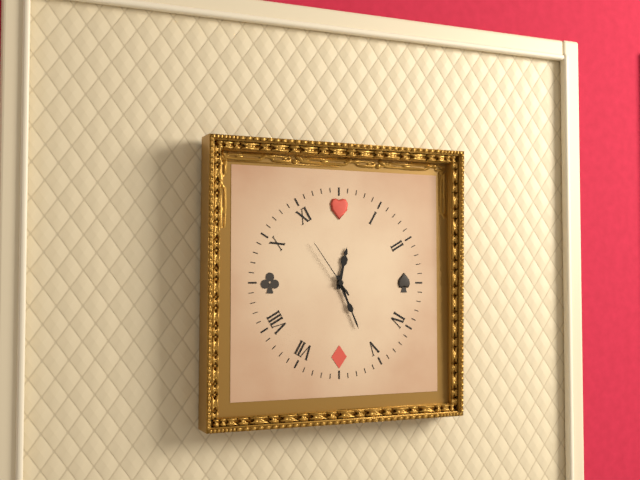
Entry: 12:26:54
